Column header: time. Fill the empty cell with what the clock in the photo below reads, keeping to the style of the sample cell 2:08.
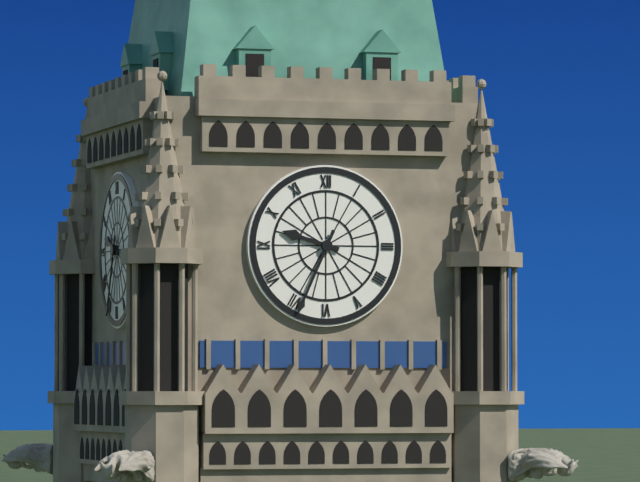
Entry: 9:34
